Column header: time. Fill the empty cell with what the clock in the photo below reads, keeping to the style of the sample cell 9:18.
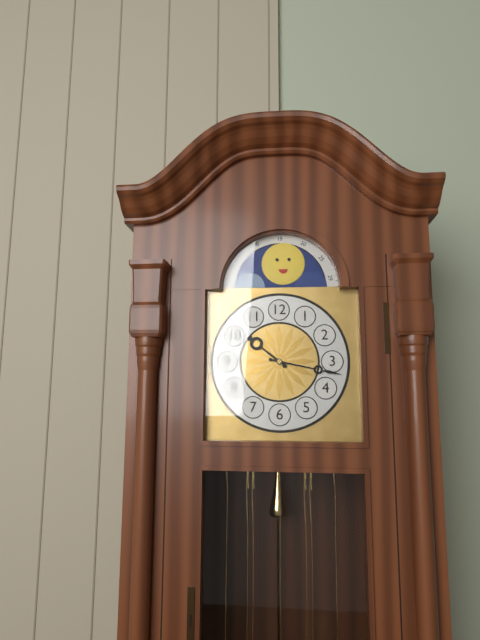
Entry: 10:17
